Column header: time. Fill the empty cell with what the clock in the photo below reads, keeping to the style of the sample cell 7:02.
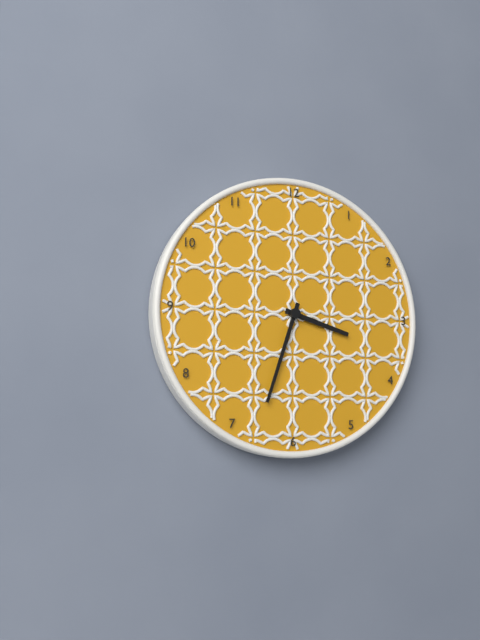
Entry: 3:33
